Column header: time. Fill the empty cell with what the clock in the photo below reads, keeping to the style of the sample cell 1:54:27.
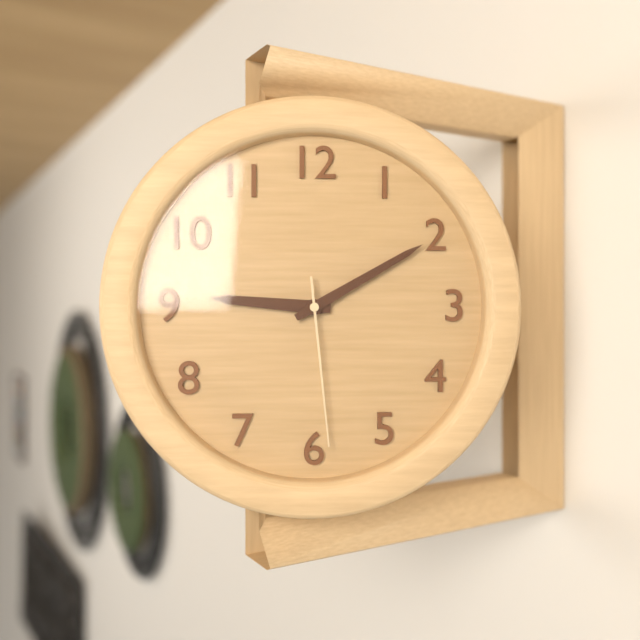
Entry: 9:10:29
